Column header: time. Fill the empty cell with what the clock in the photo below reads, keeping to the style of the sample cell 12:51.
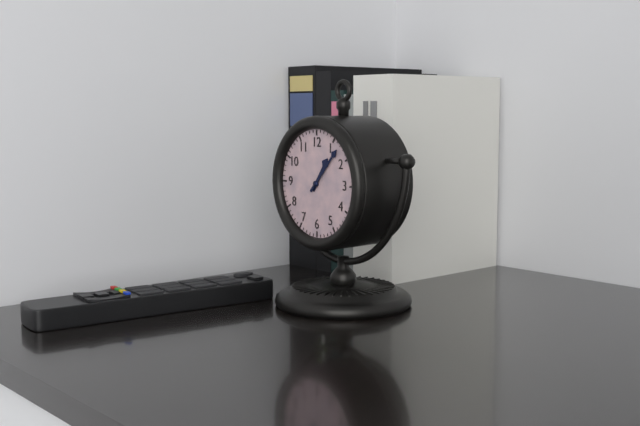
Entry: 1:07
